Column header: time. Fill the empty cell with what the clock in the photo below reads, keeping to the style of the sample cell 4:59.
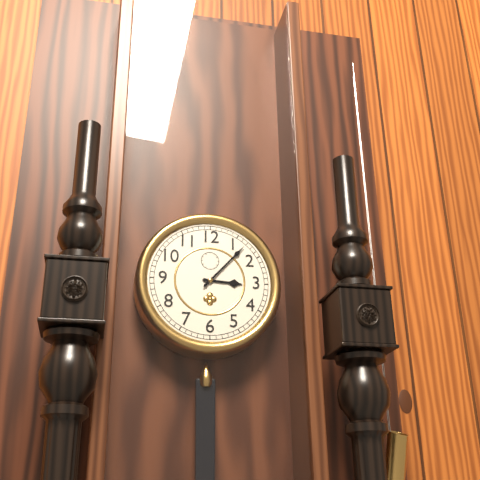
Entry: 3:07
